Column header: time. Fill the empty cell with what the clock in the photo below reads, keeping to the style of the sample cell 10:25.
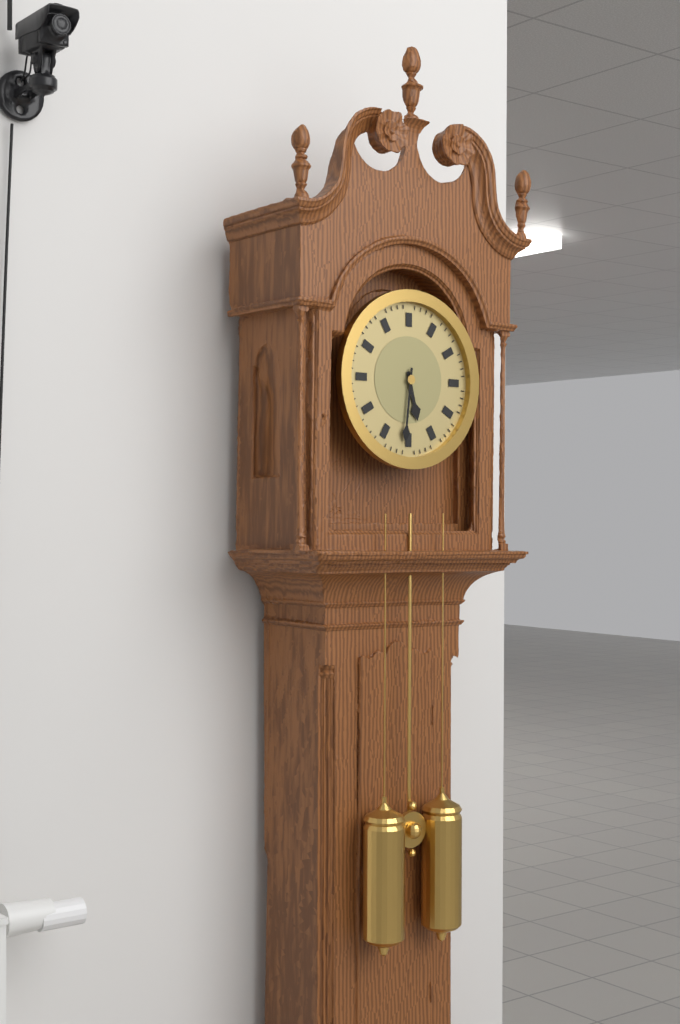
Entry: 5:31
